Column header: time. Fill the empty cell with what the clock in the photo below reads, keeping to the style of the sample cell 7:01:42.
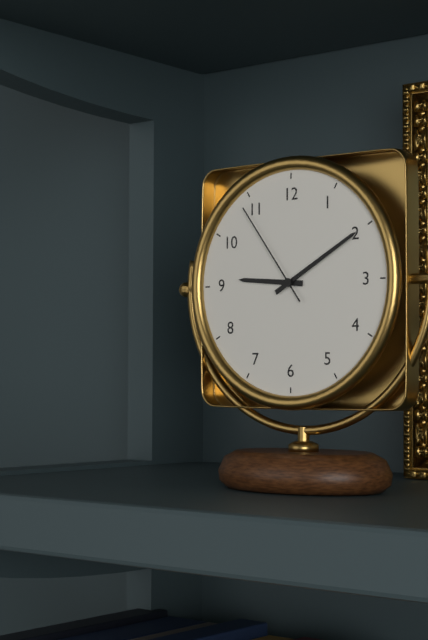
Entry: 9:10:54
